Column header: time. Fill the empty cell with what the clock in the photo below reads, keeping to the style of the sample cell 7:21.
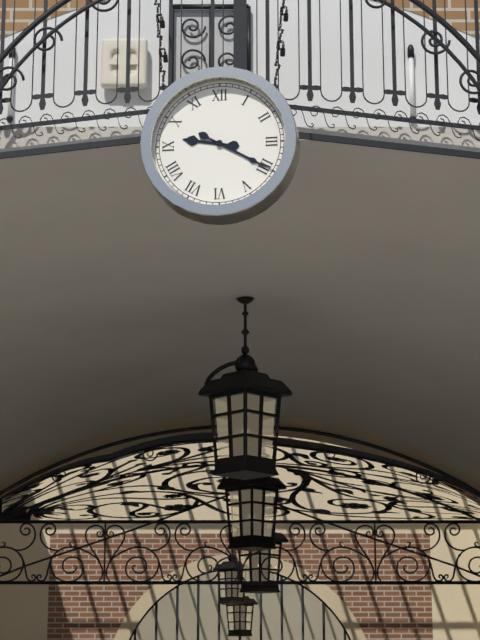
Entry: 9:20
